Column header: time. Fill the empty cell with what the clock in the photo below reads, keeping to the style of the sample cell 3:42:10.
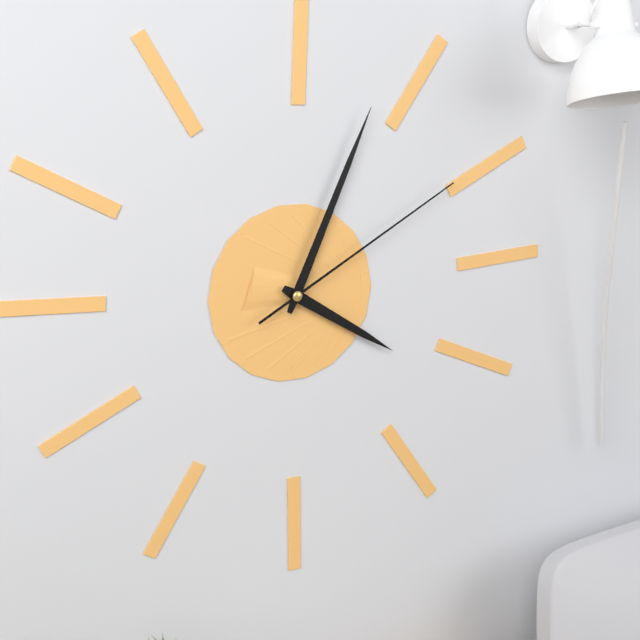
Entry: 4:04:10
